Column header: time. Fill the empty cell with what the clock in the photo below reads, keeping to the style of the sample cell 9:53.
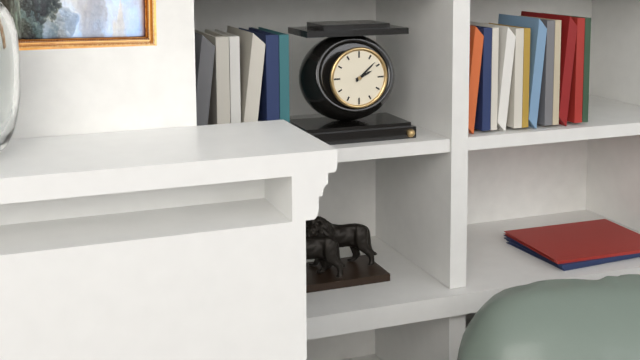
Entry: 2:08
